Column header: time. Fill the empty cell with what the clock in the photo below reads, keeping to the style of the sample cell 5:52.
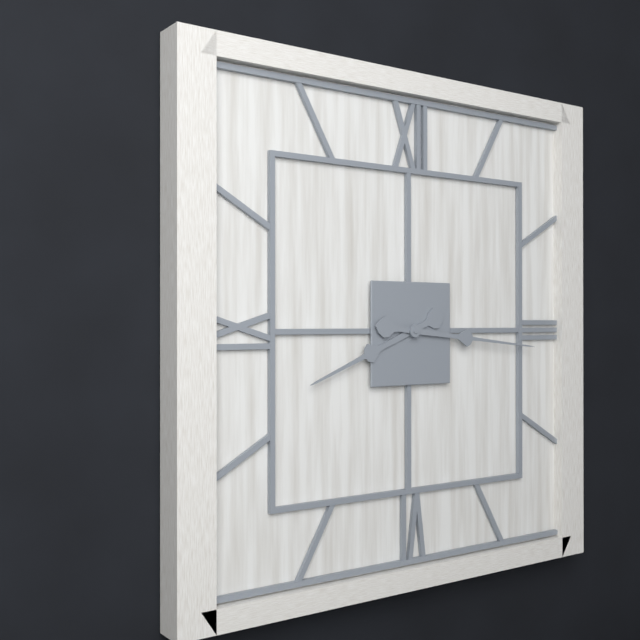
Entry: 8:16
